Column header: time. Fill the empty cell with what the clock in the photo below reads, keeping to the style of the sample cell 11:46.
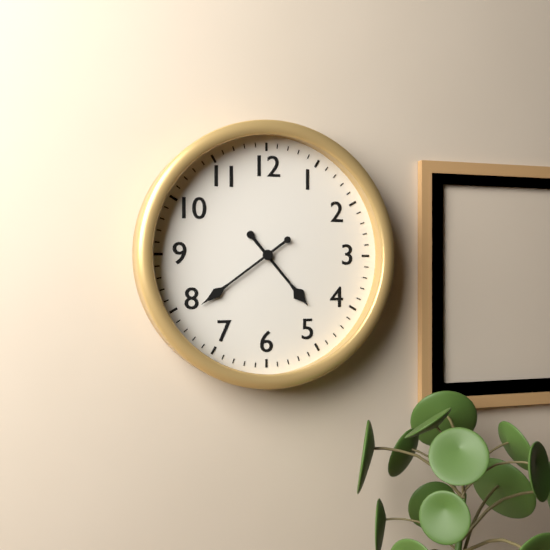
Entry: 4:39
